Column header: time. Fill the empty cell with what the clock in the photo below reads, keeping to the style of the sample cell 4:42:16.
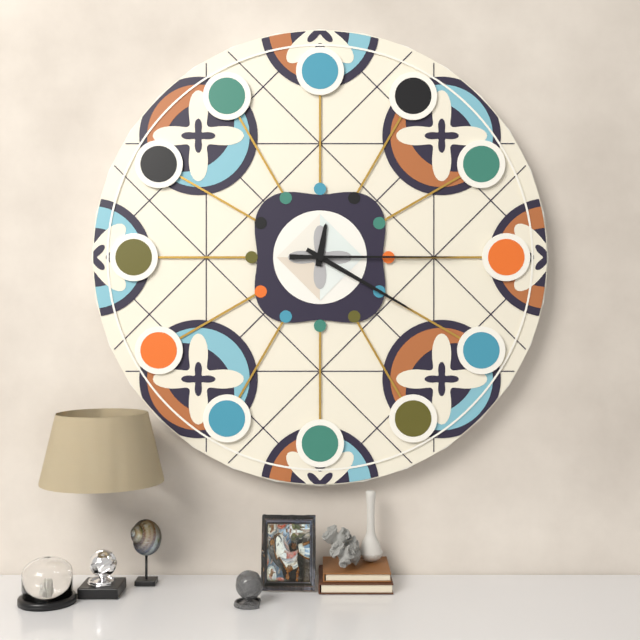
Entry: 12:20:15
